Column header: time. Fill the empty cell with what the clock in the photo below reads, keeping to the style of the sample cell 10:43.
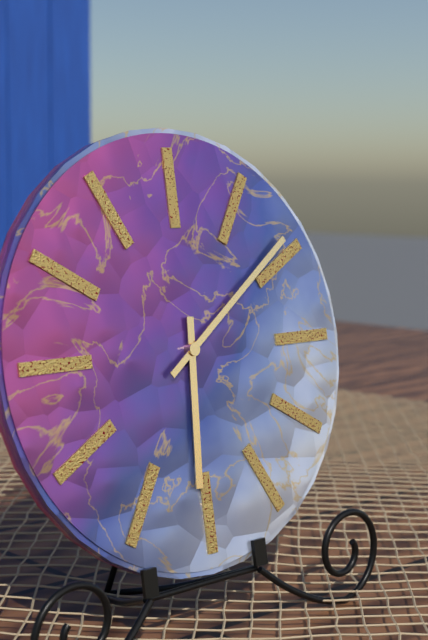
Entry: 6:09
